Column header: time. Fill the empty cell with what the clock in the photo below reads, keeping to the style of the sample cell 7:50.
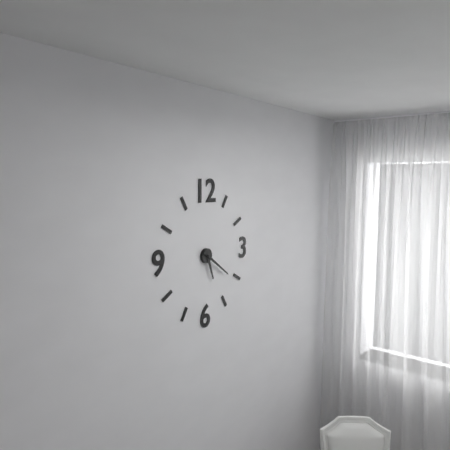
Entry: 5:21
